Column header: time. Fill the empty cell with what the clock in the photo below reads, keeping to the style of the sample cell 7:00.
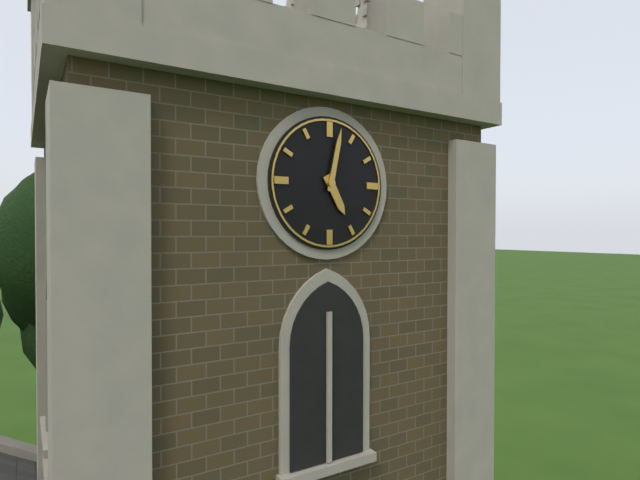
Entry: 5:02
